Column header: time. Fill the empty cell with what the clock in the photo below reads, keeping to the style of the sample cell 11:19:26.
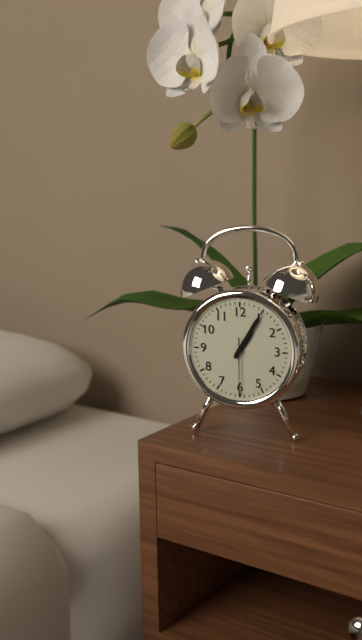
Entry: 1:05:30
